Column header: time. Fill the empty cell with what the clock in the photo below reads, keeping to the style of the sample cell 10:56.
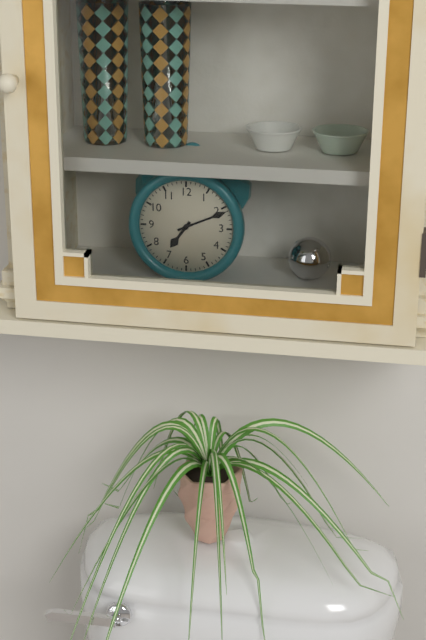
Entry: 7:11
